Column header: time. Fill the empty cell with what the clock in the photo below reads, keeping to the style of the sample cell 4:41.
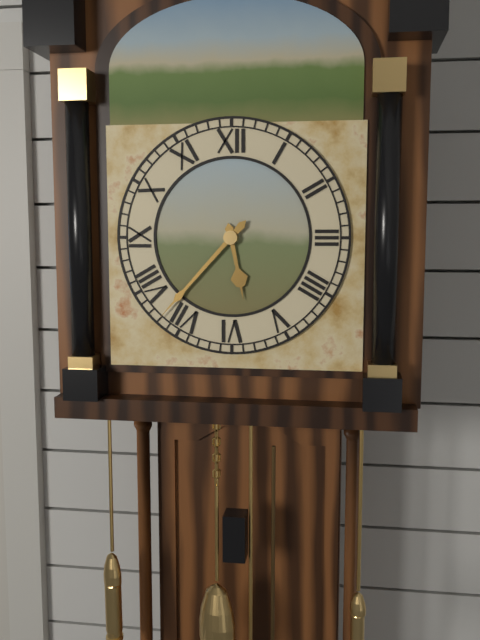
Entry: 5:37
